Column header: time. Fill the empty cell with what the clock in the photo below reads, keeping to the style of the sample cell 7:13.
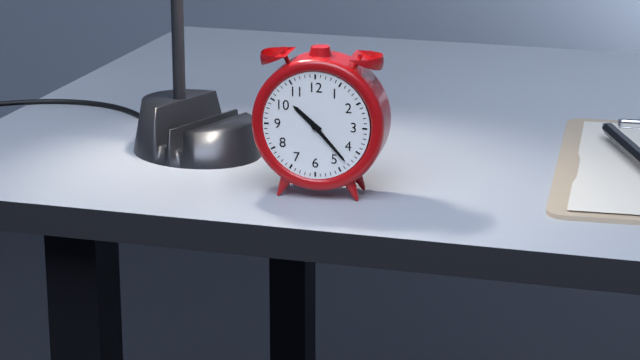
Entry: 10:23
